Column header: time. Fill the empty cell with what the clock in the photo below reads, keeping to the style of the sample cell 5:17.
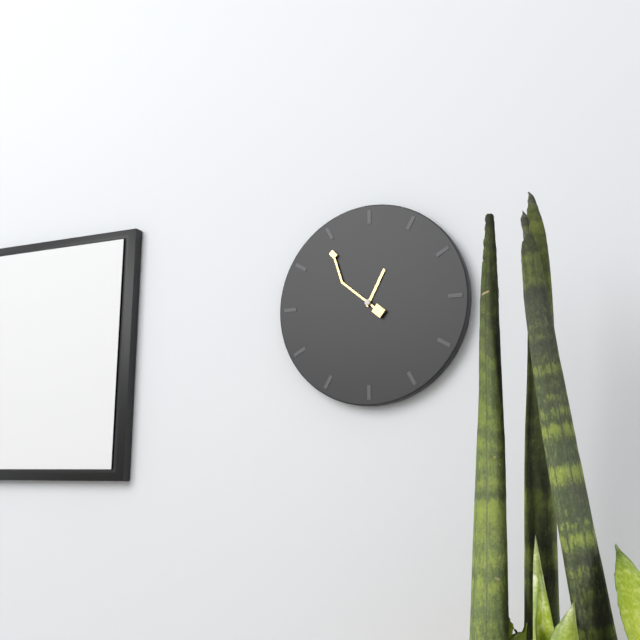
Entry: 12:54
